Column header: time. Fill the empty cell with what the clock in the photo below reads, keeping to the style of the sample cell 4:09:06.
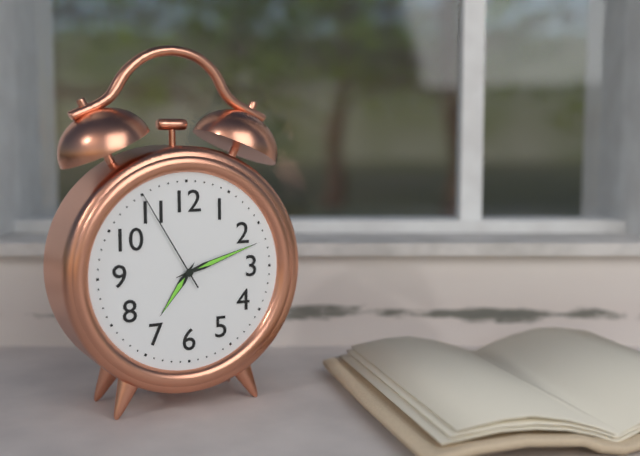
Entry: 7:12:55
